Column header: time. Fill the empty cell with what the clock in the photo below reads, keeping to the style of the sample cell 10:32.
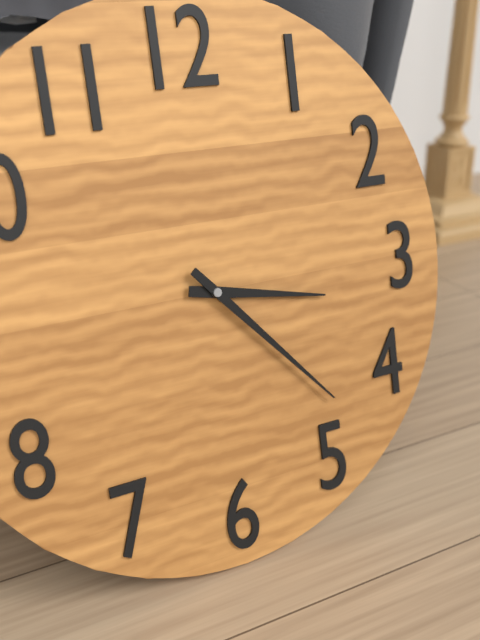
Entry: 3:23
